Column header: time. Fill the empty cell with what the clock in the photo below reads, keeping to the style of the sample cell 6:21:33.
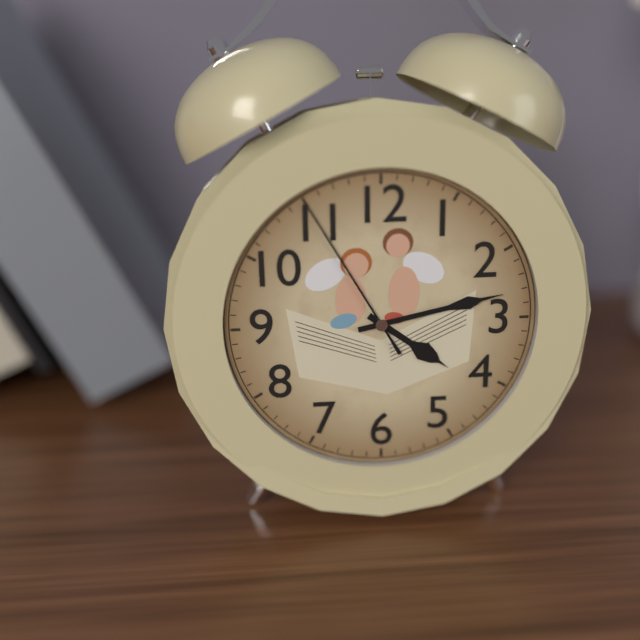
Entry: 4:13:55
